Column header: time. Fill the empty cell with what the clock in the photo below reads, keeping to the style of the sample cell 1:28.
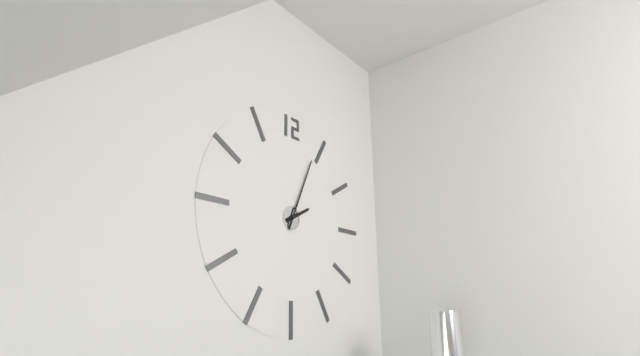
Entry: 2:04
